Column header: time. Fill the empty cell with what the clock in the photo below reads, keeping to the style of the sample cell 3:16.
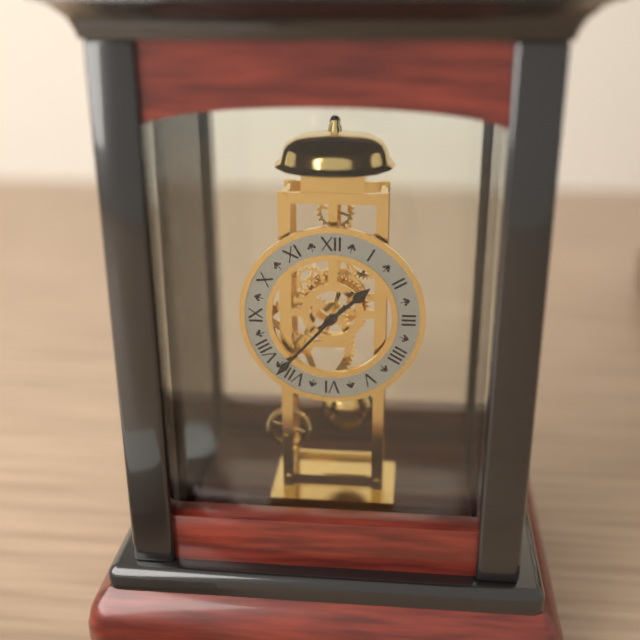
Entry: 1:37
